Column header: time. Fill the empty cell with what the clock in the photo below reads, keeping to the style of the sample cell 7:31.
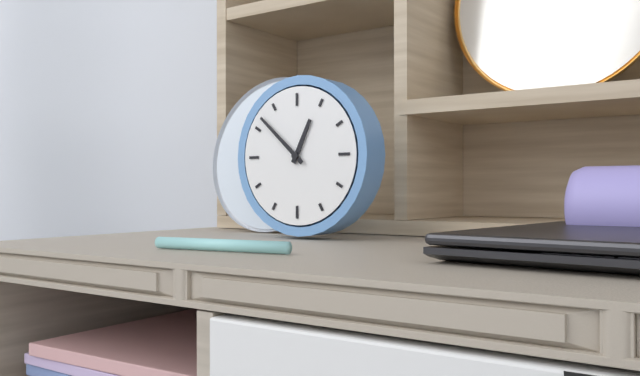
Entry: 12:52
